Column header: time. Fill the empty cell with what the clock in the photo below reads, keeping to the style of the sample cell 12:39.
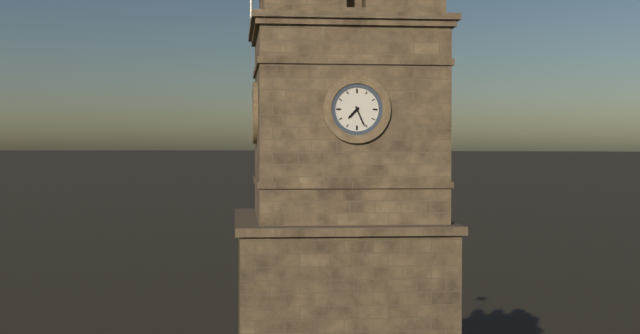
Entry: 7:26
